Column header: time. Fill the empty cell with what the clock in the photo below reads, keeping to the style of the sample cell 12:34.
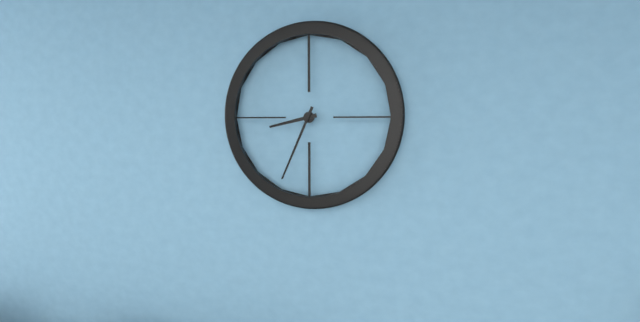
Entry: 8:34
